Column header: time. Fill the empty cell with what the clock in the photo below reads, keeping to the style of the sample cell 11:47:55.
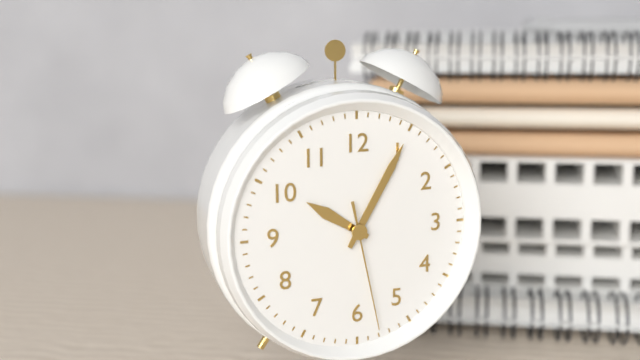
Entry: 10:05:28
